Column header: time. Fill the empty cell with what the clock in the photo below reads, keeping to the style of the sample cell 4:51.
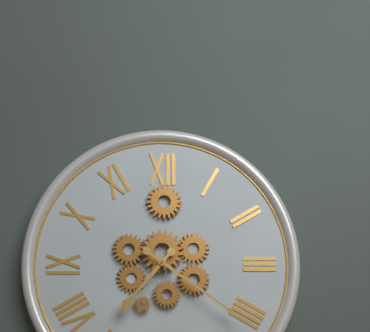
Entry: 7:21
